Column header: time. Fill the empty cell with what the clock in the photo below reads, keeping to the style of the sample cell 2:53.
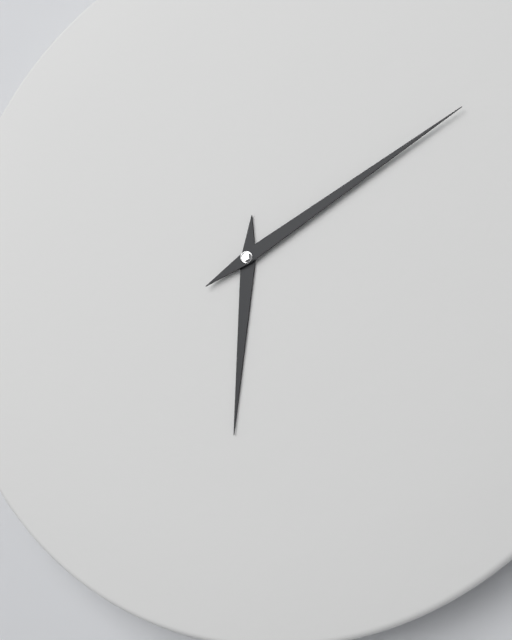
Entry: 6:10
